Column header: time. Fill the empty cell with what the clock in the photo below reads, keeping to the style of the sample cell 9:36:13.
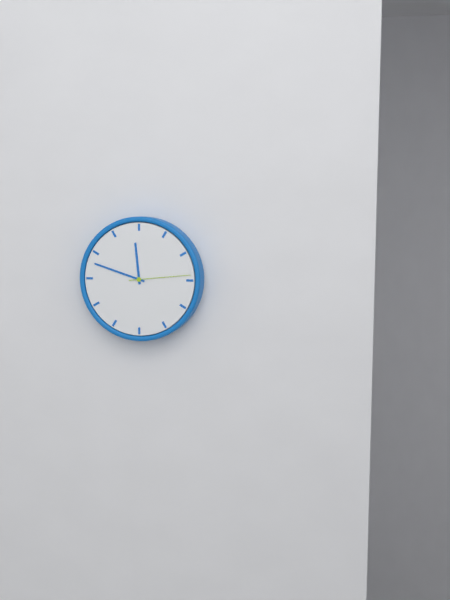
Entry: 11:48:14
